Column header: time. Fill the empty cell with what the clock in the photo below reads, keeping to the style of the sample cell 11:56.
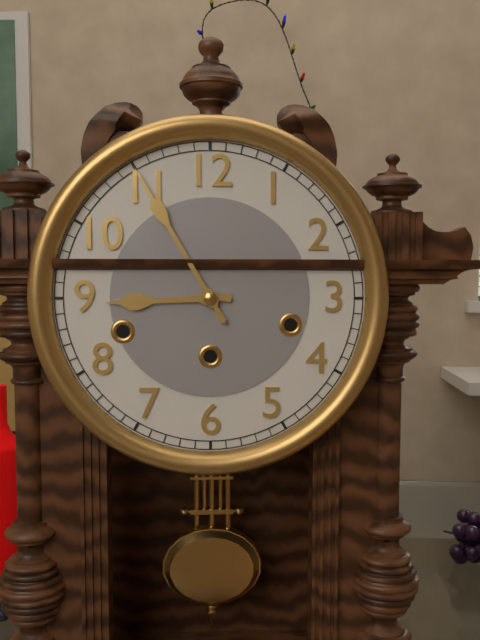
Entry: 8:55
